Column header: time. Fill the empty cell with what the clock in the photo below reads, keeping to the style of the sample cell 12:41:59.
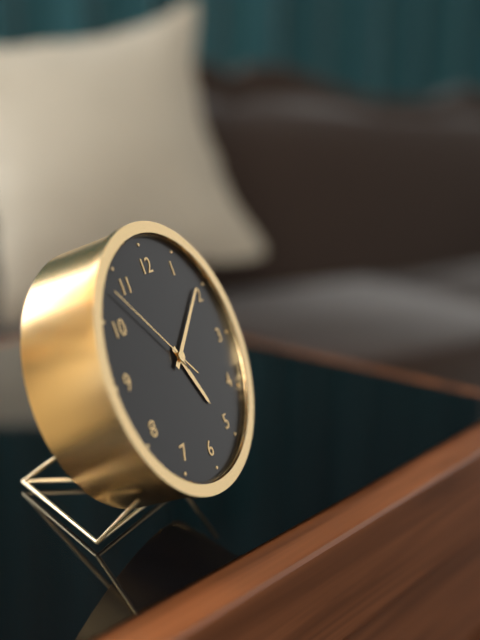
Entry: 5:09:53
